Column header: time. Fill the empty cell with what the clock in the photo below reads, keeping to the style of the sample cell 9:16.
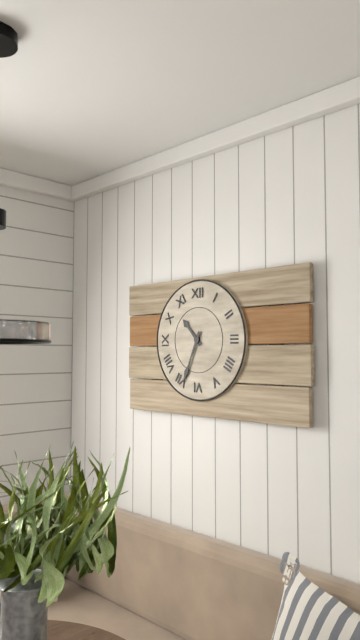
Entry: 10:34
